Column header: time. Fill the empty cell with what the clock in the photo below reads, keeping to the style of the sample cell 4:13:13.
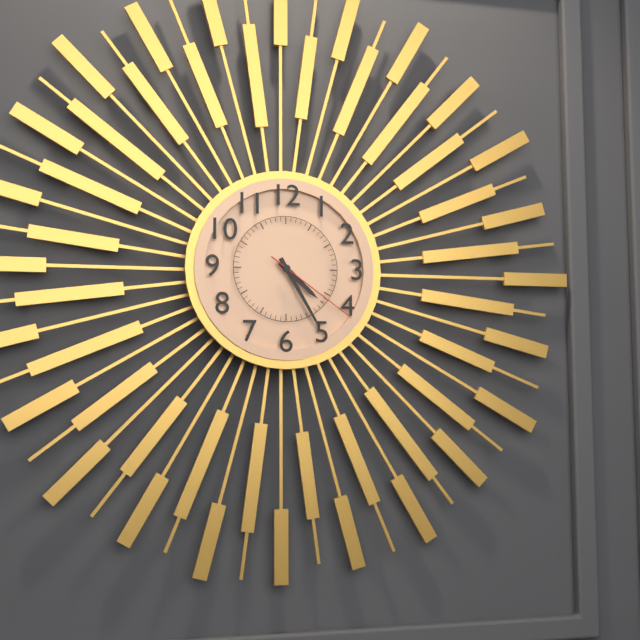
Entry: 4:25:21
